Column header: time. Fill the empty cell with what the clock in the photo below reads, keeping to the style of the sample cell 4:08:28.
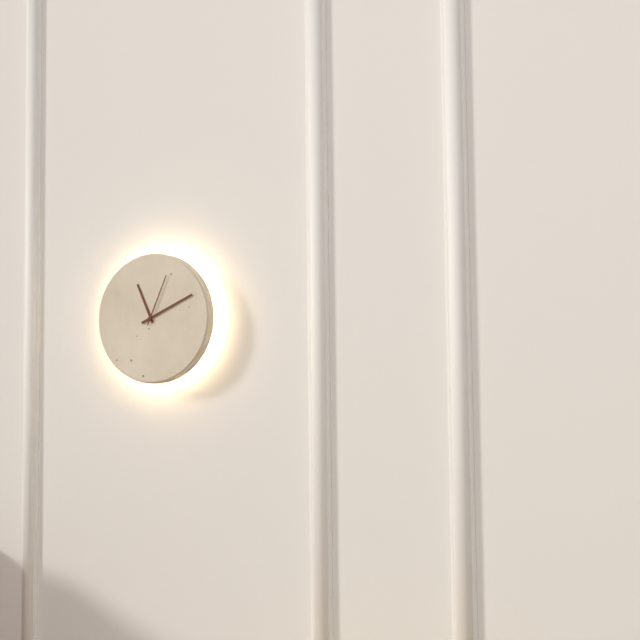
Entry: 11:11:04
